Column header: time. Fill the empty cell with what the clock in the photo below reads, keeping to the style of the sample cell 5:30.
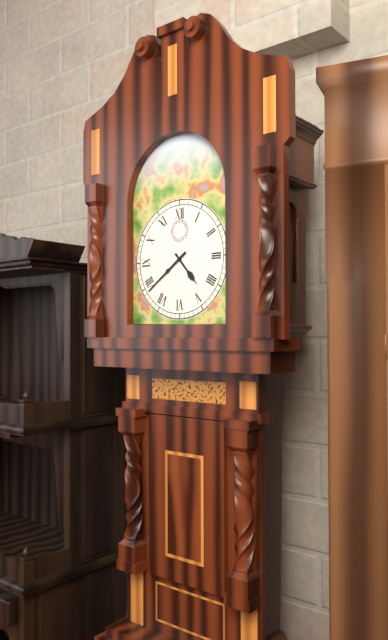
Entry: 4:39
